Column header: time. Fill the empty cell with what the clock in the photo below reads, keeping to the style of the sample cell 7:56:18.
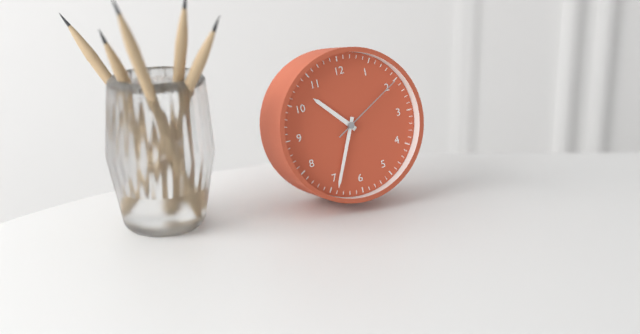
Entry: 10:34:10
